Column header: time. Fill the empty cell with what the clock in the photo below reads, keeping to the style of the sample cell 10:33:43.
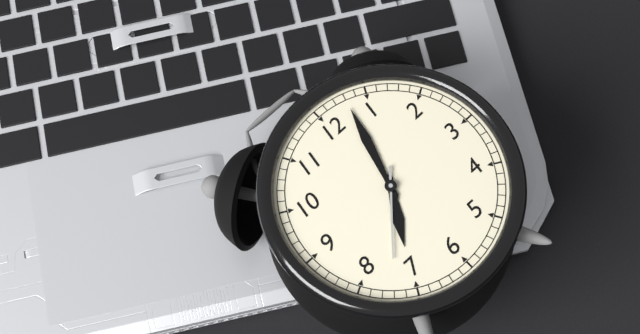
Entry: 7:03:37
